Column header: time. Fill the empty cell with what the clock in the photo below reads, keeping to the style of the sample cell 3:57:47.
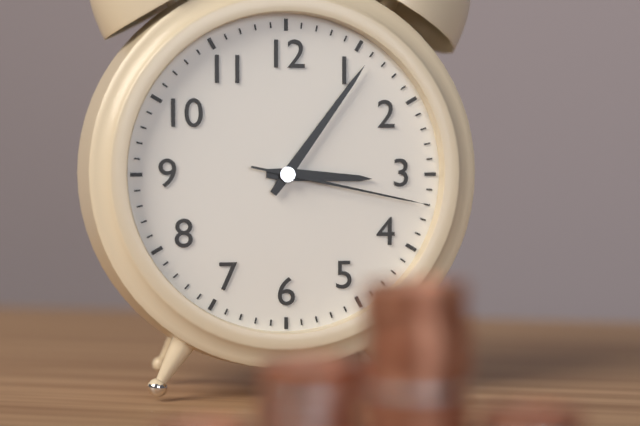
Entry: 3:06:17
